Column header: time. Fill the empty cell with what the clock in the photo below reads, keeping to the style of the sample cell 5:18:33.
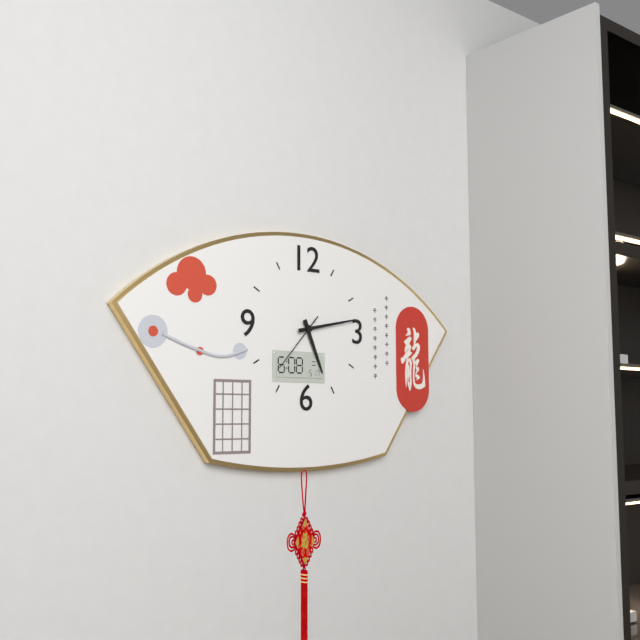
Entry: 5:13:37
